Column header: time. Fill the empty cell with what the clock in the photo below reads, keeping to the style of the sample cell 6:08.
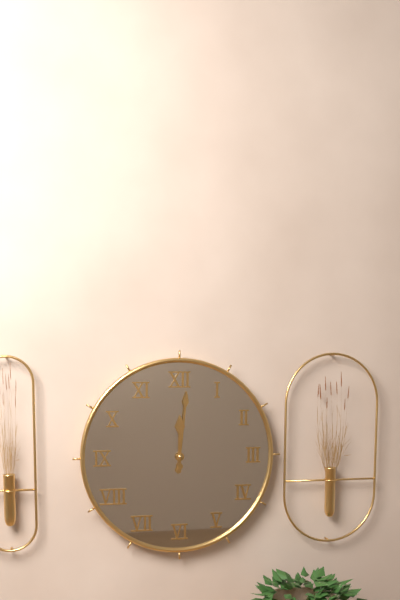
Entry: 12:01
